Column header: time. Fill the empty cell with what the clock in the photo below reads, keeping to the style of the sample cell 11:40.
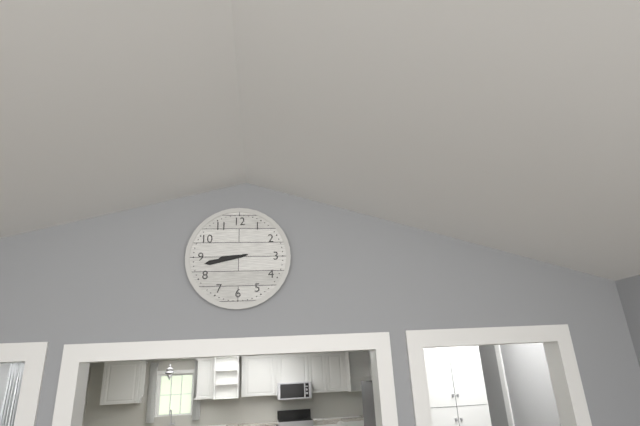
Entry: 8:43
